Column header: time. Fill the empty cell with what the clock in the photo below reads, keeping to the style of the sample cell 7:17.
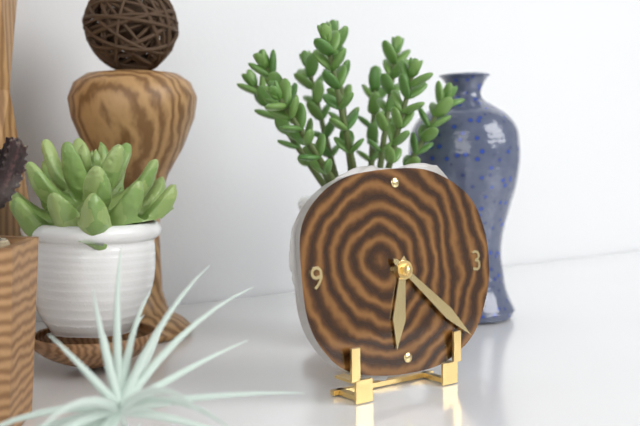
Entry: 6:22
